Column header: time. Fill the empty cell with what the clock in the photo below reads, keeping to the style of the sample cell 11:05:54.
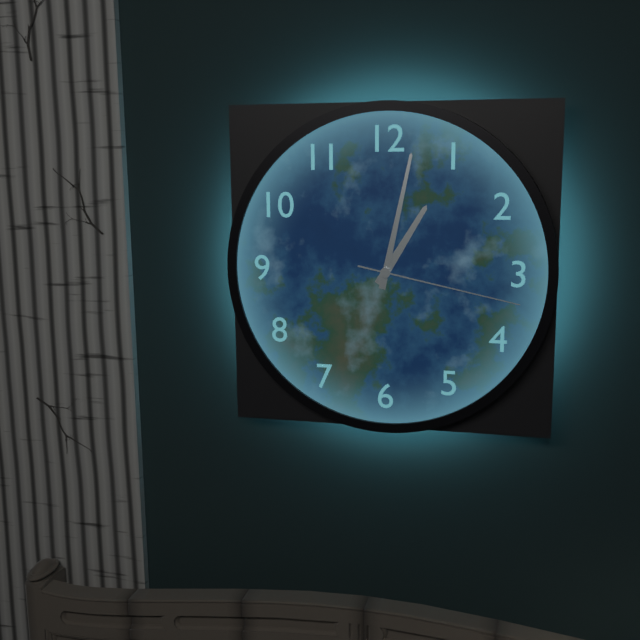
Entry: 1:02:17
